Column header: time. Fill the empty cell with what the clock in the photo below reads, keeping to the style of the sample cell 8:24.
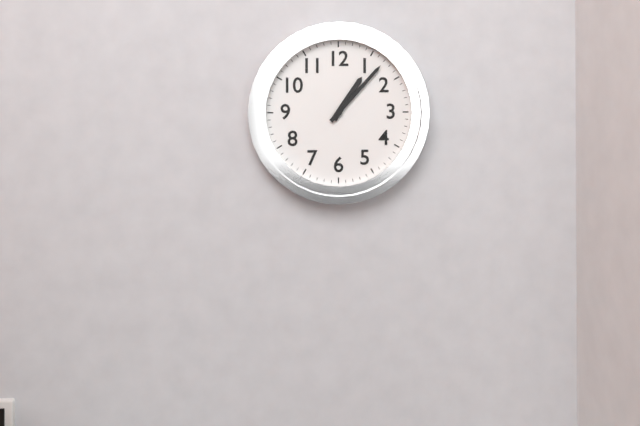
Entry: 1:07
